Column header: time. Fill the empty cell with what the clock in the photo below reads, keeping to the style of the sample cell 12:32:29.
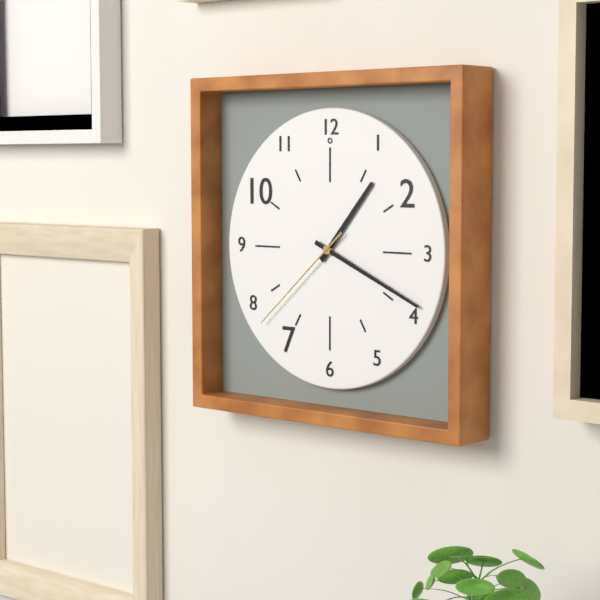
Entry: 1:19:38
